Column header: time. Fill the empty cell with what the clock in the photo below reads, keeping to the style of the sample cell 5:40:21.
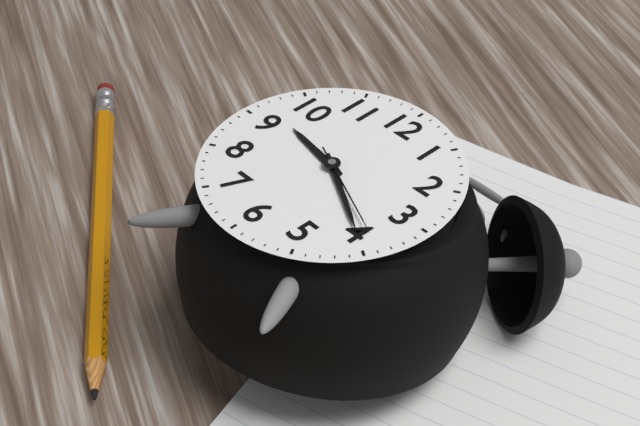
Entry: 9:20:19
